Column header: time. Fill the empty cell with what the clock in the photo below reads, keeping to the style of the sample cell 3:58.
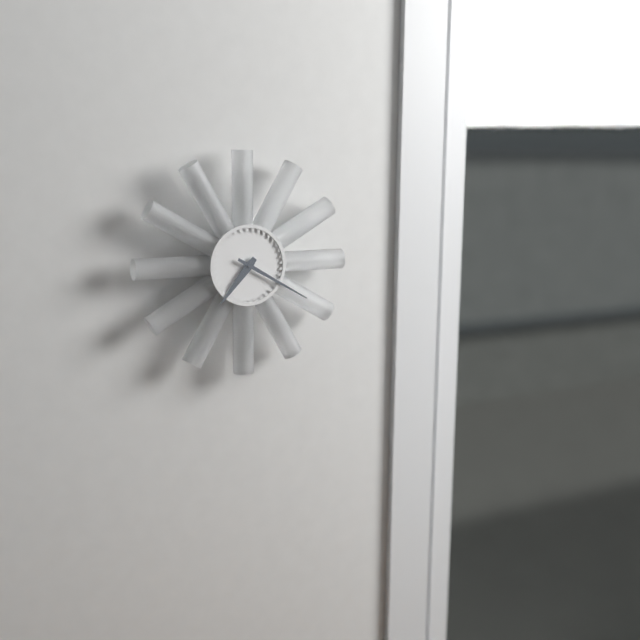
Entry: 7:20
